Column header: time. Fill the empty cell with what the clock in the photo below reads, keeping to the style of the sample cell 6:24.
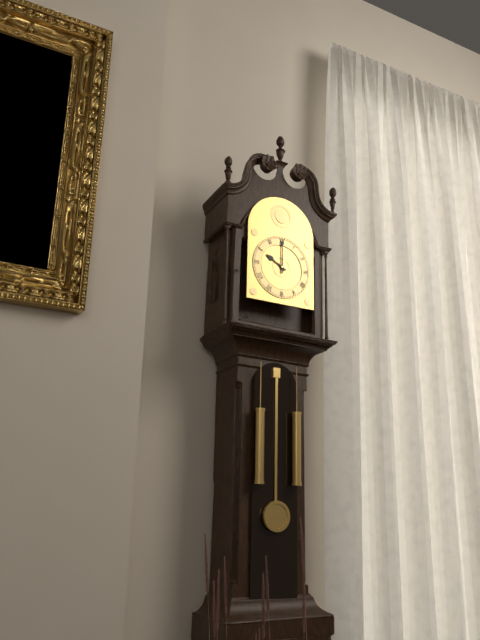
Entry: 10:00
